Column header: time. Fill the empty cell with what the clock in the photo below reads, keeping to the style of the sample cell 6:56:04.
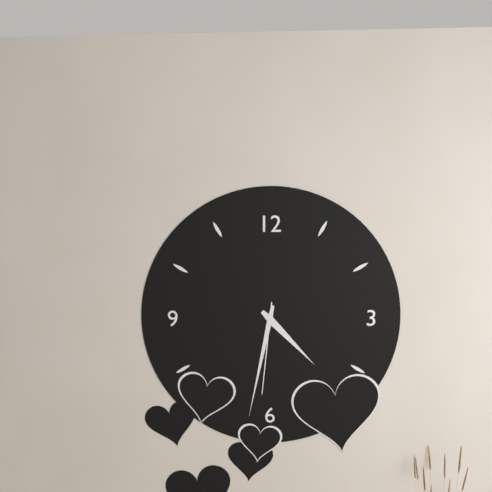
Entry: 4:32:31
